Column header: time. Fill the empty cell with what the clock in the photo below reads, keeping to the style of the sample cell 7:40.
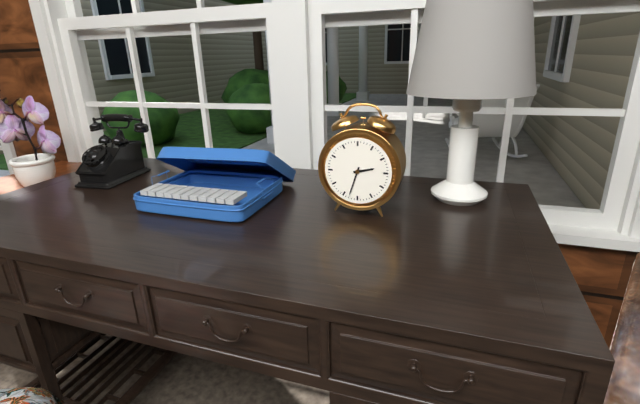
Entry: 2:33
